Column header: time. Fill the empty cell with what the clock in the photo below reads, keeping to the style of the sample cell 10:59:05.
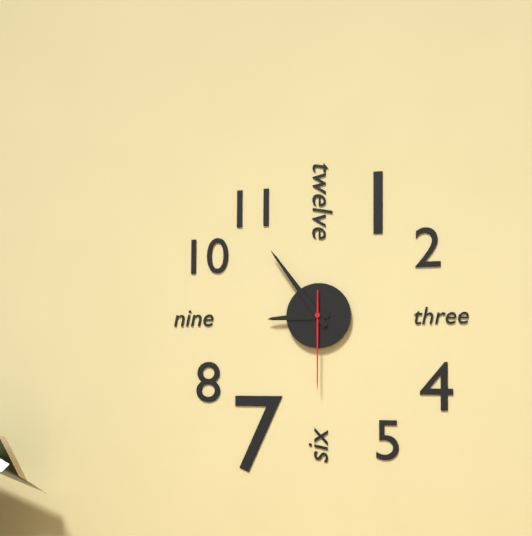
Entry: 8:54:30
